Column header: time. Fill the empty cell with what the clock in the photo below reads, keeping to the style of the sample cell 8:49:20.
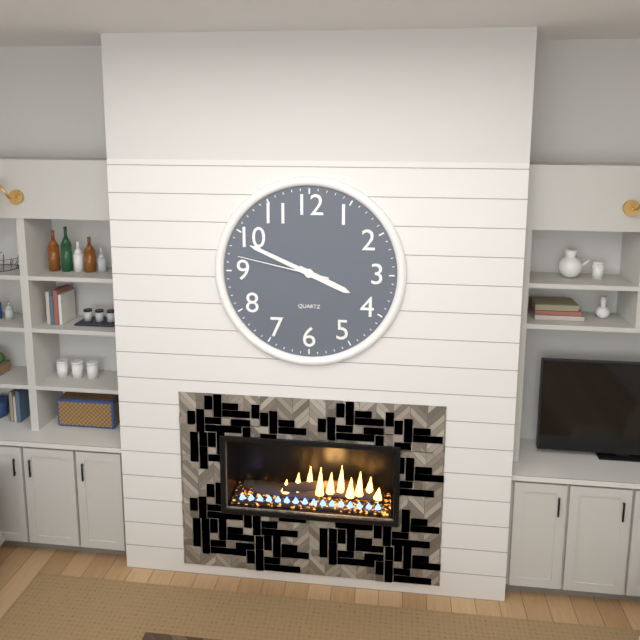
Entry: 3:49:47
